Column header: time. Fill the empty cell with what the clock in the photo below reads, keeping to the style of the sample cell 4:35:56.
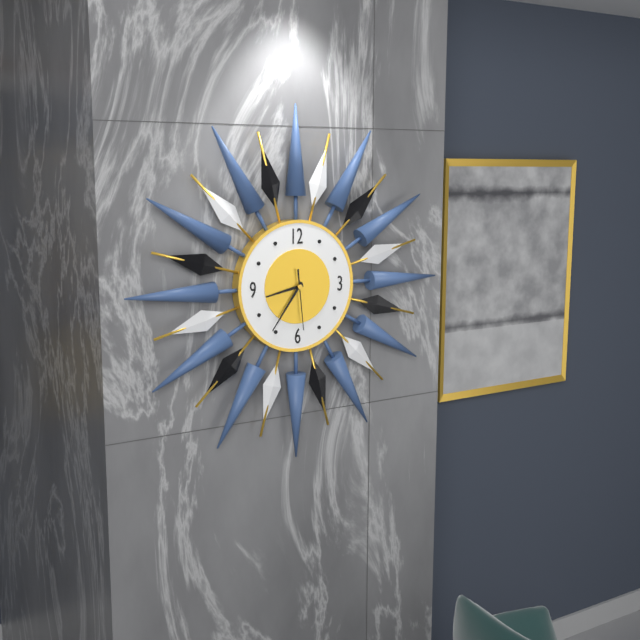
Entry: 8:36:29
